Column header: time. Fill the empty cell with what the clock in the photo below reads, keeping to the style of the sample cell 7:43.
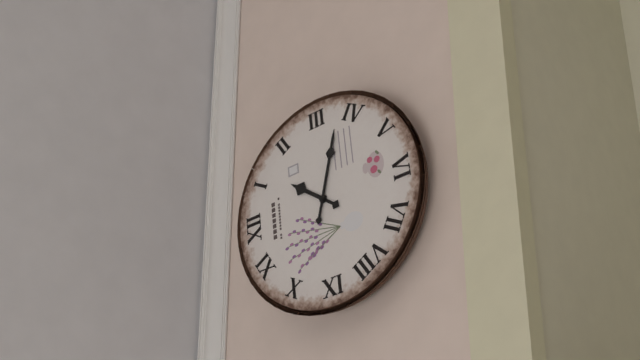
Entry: 1:18
